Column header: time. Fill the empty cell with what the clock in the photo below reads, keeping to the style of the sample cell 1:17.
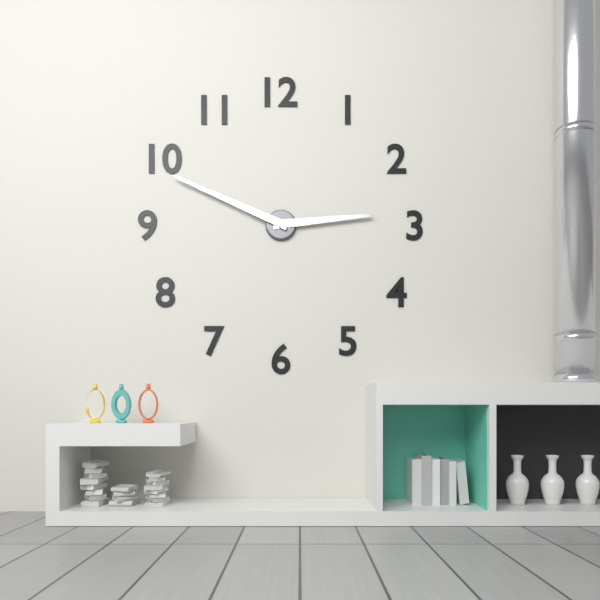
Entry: 2:49
